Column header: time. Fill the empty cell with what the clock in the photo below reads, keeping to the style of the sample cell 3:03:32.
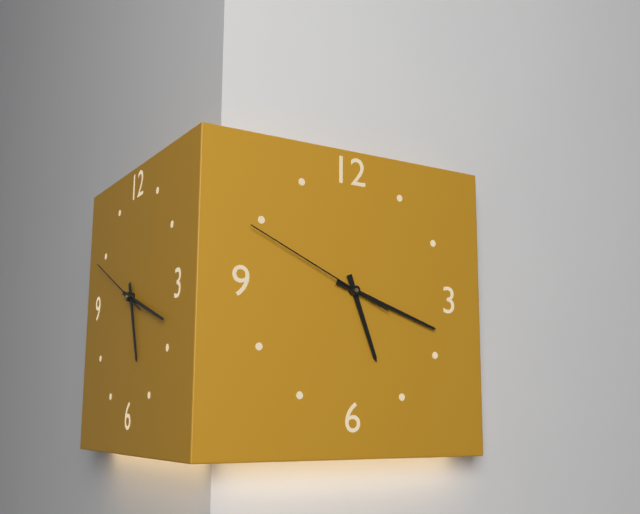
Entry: 5:18:49
